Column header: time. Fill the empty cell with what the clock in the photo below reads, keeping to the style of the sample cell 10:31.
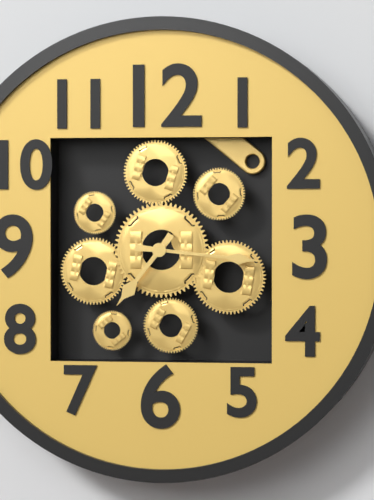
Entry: 7:16
